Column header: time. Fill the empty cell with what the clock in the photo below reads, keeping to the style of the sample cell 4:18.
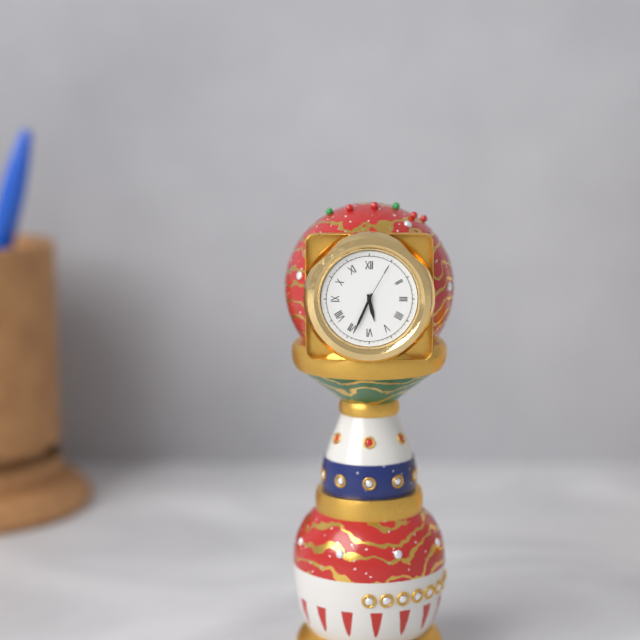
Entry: 5:34
